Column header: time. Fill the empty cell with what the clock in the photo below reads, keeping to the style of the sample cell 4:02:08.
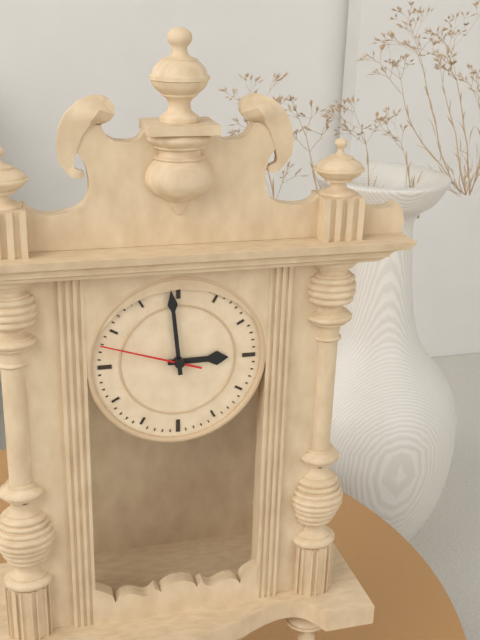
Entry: 2:59:48
